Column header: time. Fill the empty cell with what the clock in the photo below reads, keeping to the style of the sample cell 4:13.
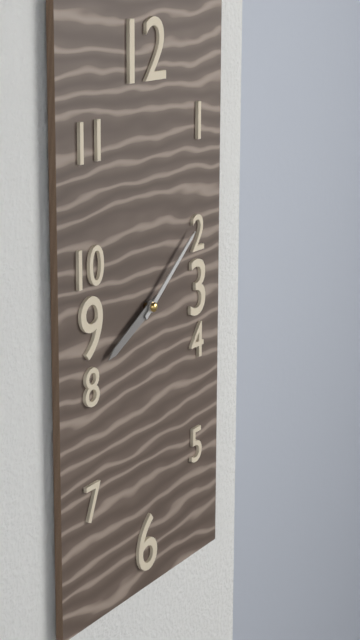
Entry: 8:09
